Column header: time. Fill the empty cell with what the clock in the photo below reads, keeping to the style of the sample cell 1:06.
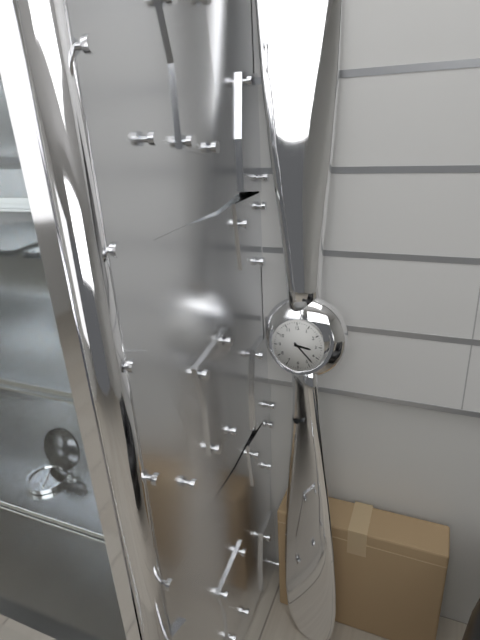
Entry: 3:23
